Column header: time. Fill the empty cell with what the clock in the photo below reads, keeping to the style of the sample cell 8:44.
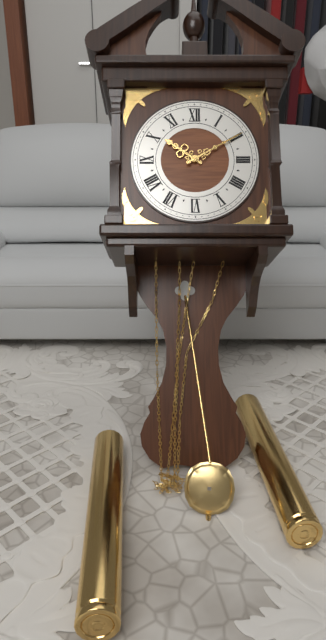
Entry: 10:10
